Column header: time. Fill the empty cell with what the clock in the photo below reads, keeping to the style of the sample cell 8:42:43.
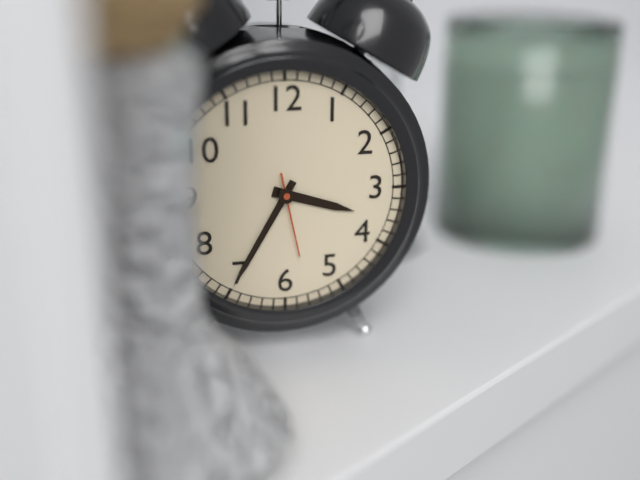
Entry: 3:35:28
